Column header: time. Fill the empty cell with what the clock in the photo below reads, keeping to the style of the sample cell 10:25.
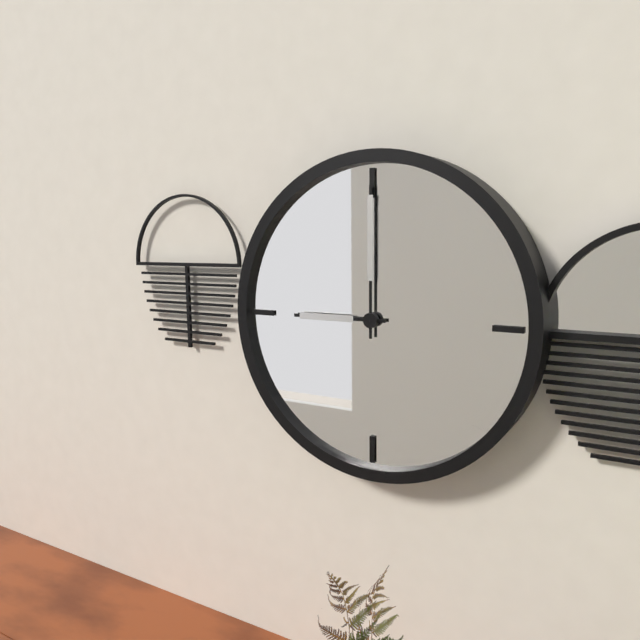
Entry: 9:00
